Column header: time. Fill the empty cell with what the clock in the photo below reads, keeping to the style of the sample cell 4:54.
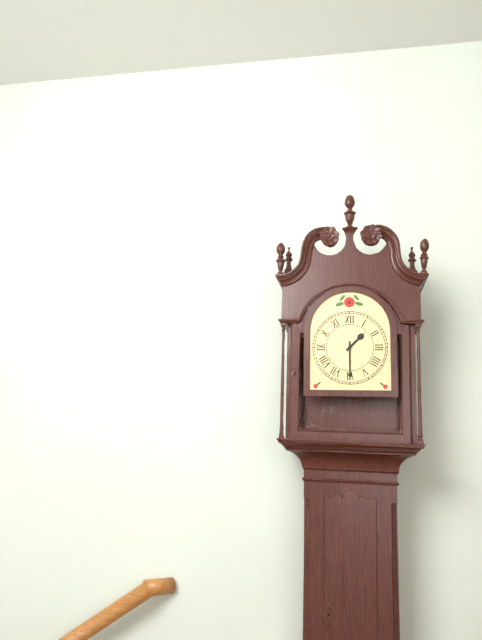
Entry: 1:30
